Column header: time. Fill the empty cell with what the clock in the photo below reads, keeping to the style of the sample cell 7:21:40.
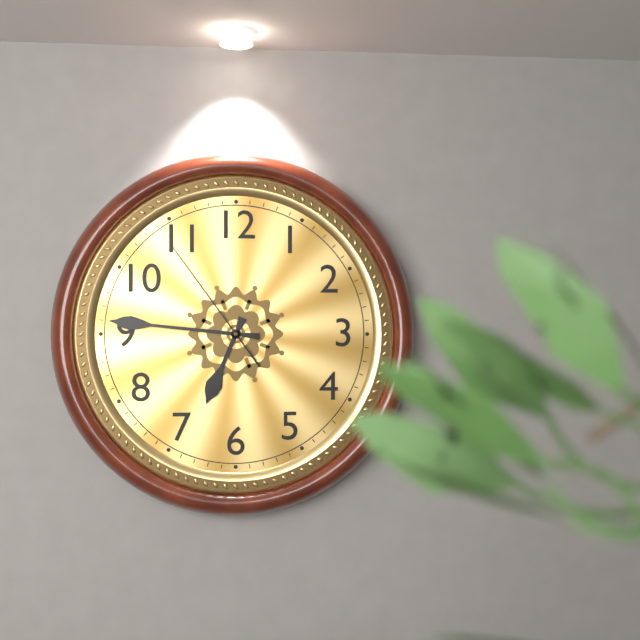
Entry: 6:46:54
